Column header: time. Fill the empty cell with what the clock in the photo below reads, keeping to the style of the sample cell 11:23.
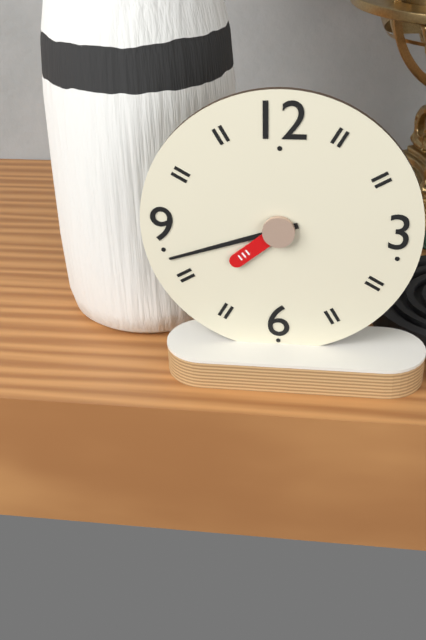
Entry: 7:42
